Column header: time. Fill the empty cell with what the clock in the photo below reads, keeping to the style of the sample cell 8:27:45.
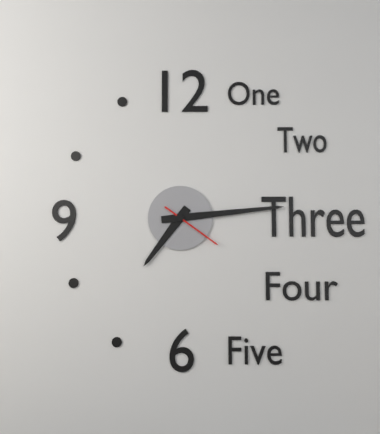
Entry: 7:14:21
